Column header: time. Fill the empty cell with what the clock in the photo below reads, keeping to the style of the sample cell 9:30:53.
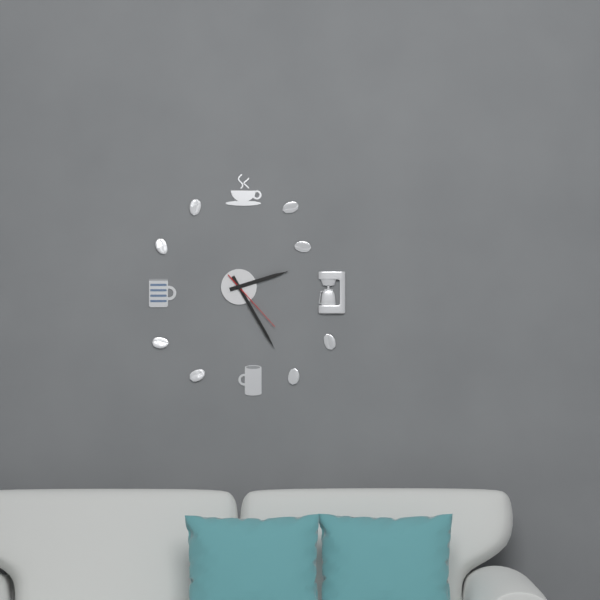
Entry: 2:25:23
